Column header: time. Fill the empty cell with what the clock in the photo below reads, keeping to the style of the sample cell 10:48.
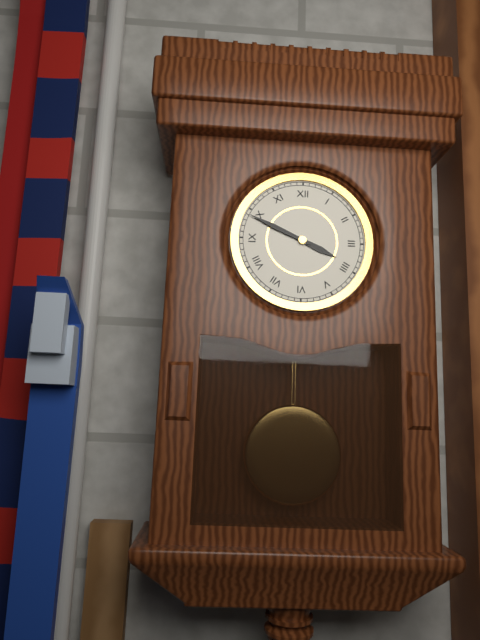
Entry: 3:49
